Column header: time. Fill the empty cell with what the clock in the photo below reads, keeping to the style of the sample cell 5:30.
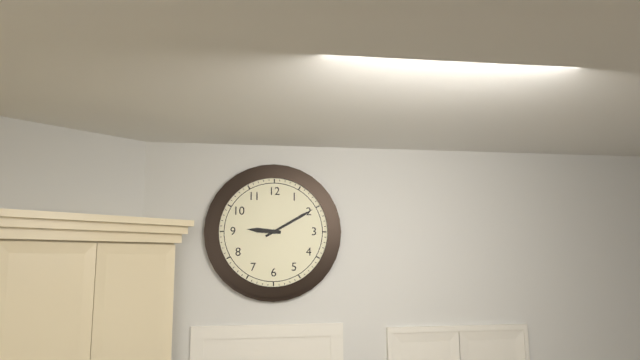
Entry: 9:10
